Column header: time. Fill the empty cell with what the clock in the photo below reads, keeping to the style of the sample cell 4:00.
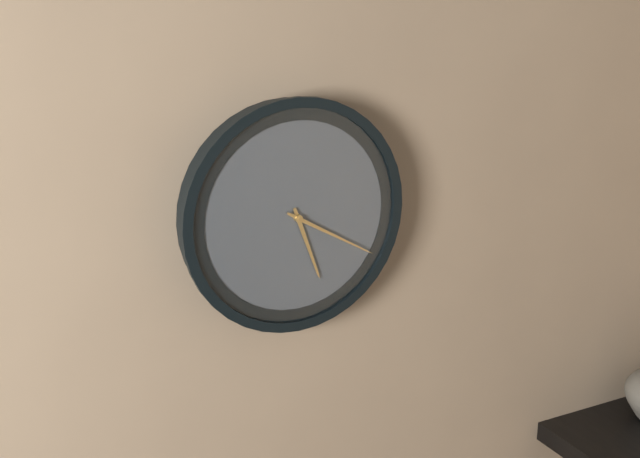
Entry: 5:20
